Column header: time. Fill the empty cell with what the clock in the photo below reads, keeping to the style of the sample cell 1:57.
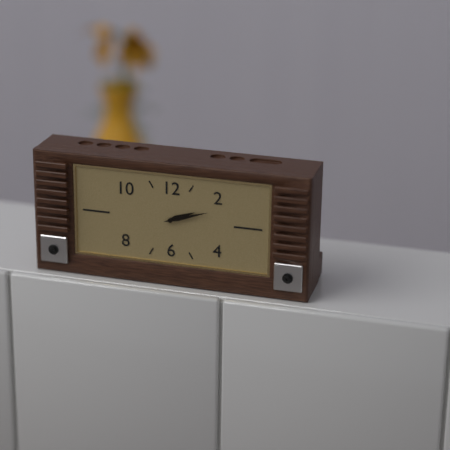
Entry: 2:12
